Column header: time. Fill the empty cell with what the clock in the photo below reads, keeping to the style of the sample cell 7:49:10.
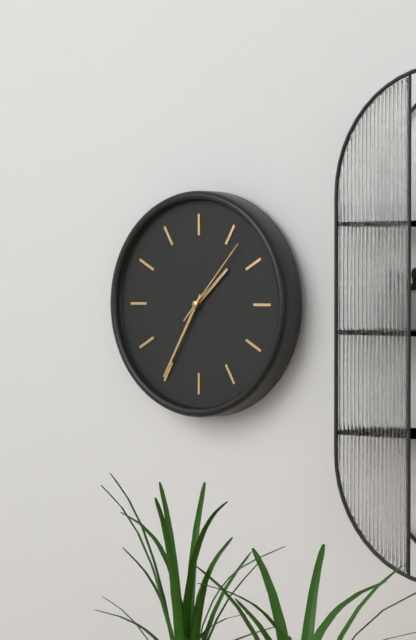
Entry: 1:35:07
